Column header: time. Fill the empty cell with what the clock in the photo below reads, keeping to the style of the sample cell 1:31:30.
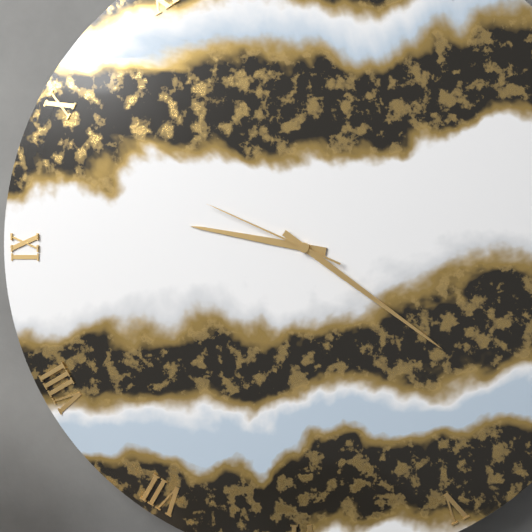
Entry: 9:21:49
